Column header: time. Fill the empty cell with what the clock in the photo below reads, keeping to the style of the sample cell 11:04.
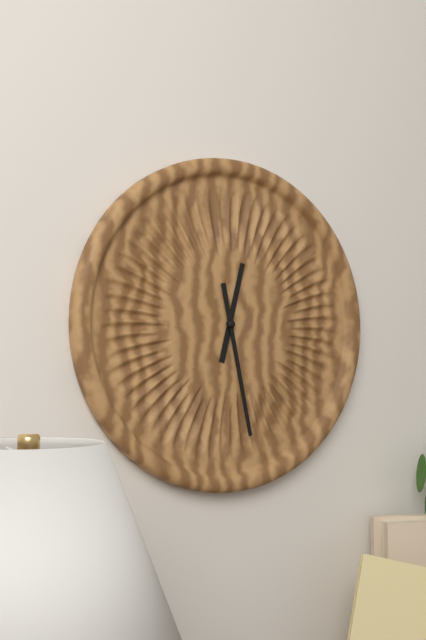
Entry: 12:28
